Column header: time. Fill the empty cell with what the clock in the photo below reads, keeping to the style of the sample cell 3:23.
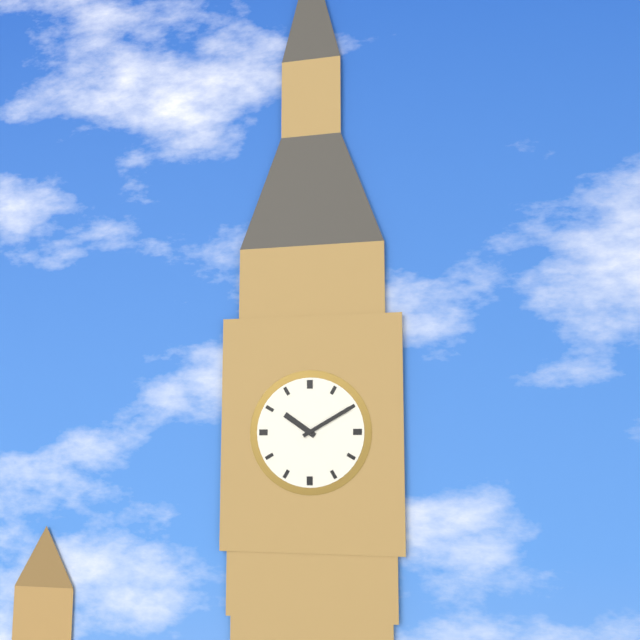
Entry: 10:10
